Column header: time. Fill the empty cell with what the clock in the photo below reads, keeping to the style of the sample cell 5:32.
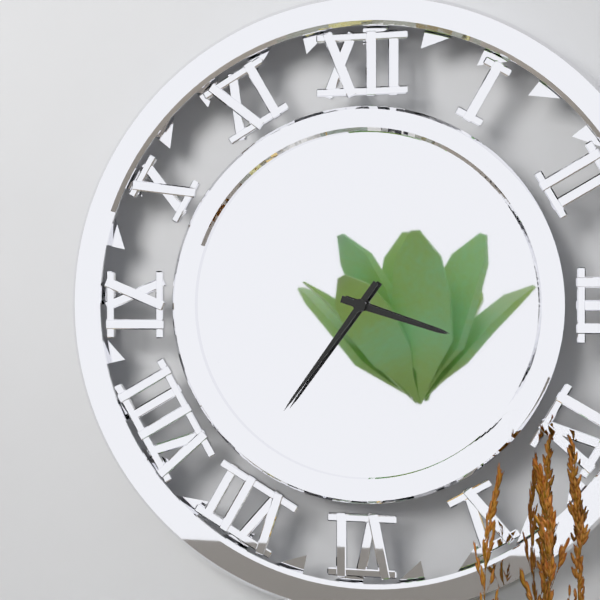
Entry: 3:36
